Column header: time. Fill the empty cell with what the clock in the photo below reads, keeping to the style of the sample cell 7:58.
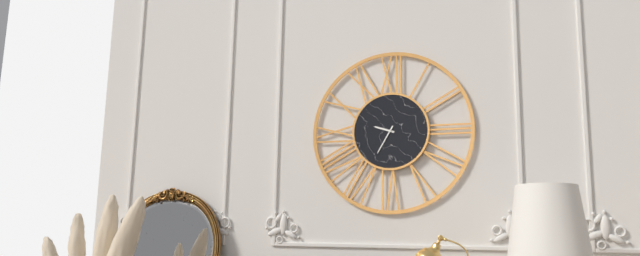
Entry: 9:35
